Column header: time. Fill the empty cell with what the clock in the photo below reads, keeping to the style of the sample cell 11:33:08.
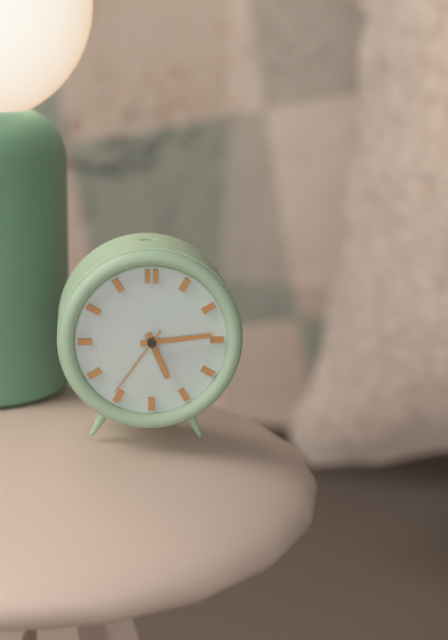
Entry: 5:14:36
